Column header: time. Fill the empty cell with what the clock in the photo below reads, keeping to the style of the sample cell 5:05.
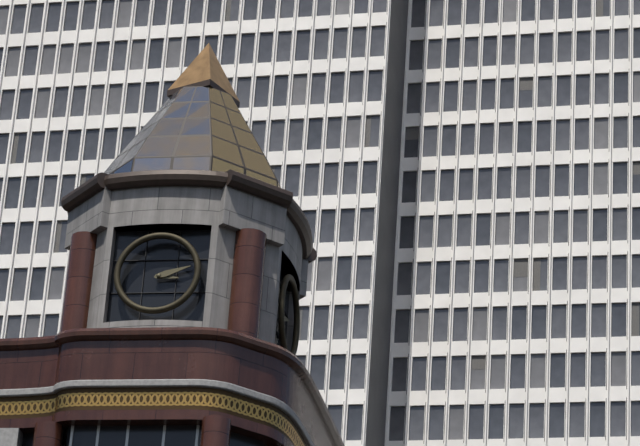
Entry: 3:12
